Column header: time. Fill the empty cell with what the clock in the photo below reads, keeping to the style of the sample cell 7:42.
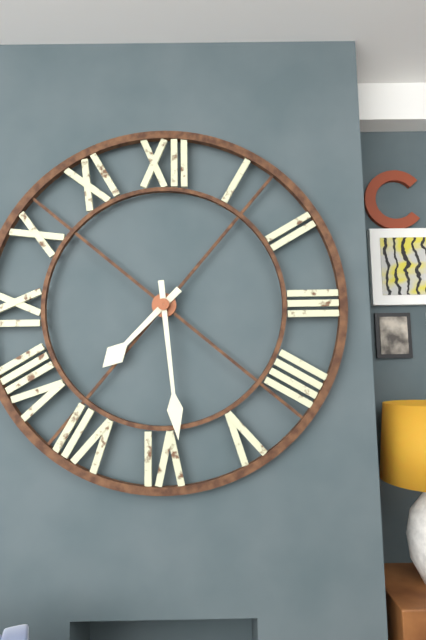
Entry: 7:29
